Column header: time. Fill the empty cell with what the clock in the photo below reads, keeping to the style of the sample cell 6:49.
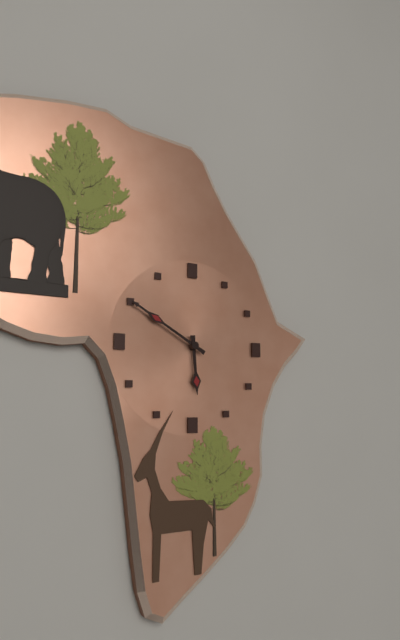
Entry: 5:50
